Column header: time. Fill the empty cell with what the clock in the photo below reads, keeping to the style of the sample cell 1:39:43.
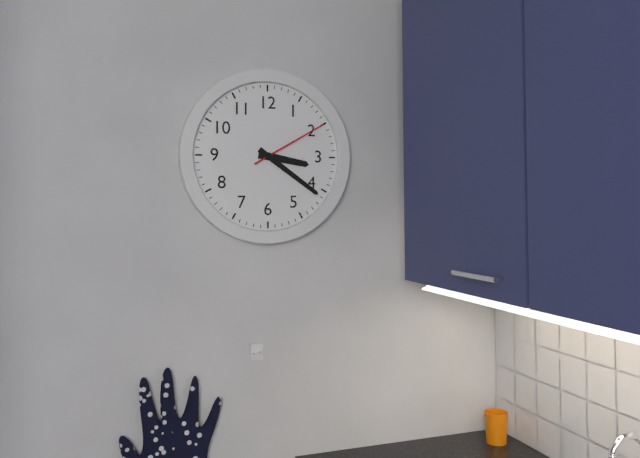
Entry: 3:21:10
